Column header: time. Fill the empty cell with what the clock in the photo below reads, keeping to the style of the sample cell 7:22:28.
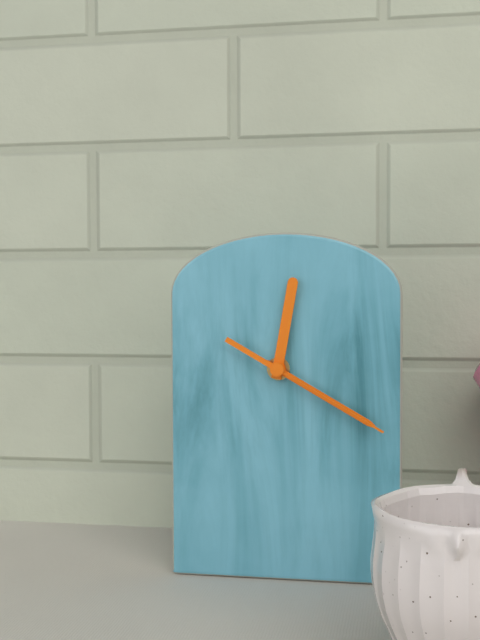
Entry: 12:20:20
